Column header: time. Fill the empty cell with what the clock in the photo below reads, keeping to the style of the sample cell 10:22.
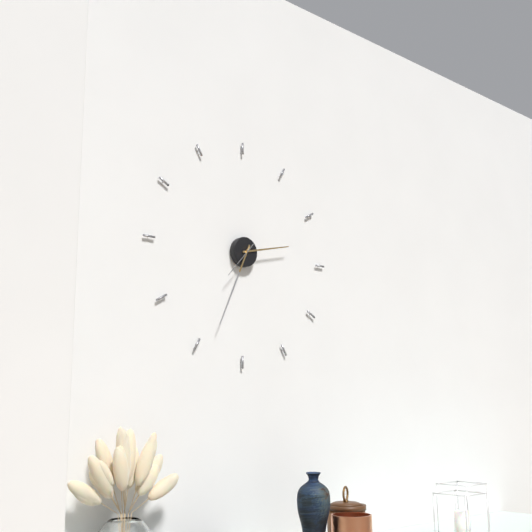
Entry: 2:34
